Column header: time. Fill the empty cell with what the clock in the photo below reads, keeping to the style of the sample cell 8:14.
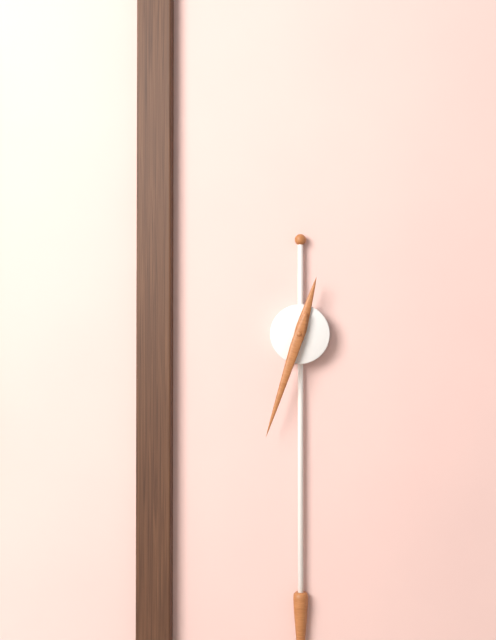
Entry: 12:33
